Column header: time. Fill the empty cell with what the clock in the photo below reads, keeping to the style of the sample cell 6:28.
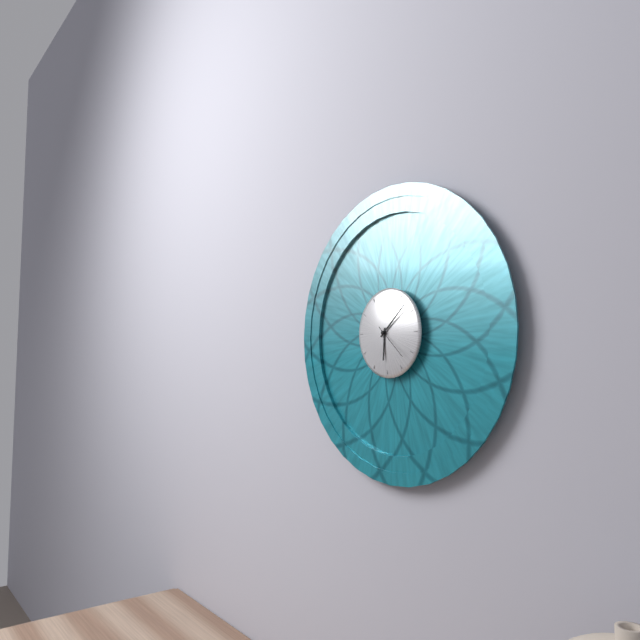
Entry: 6:08
